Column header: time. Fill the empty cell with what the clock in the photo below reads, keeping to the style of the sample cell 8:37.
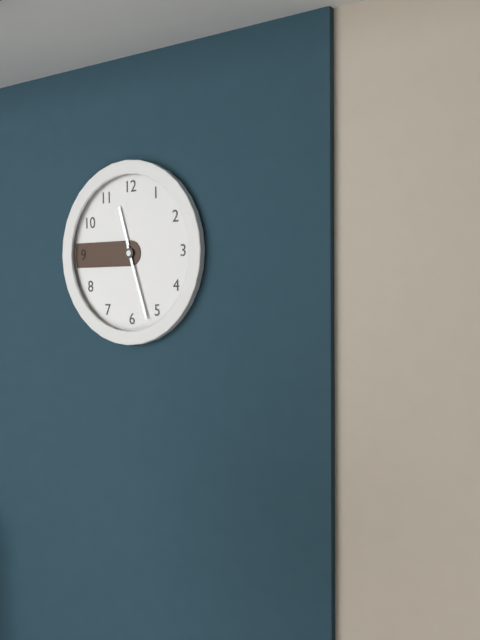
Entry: 11:27
